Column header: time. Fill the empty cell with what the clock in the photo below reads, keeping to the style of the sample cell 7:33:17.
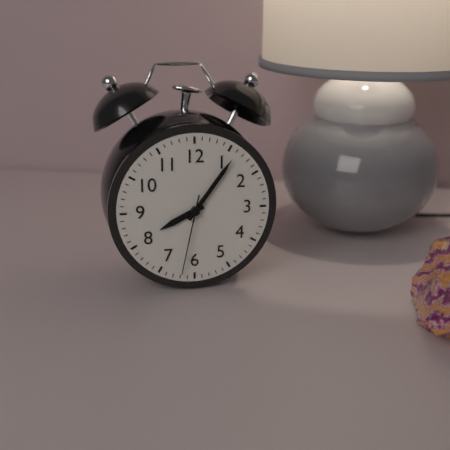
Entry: 8:06:32
